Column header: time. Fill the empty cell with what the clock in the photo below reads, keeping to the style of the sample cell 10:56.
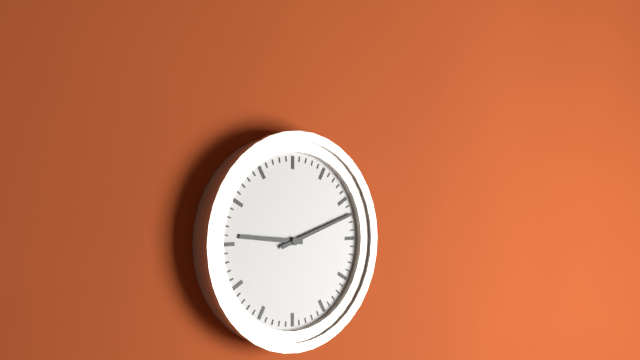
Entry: 9:12
